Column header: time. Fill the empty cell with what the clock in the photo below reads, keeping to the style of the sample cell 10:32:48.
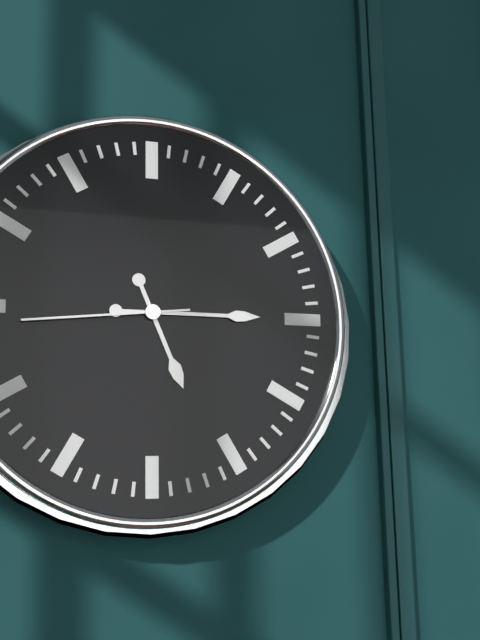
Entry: 5:15:44
